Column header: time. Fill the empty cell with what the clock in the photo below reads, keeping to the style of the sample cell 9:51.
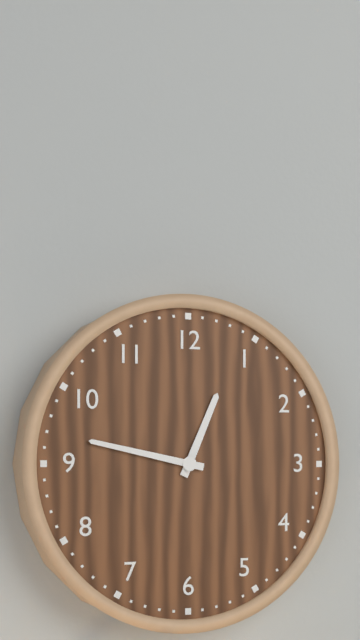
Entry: 12:47
